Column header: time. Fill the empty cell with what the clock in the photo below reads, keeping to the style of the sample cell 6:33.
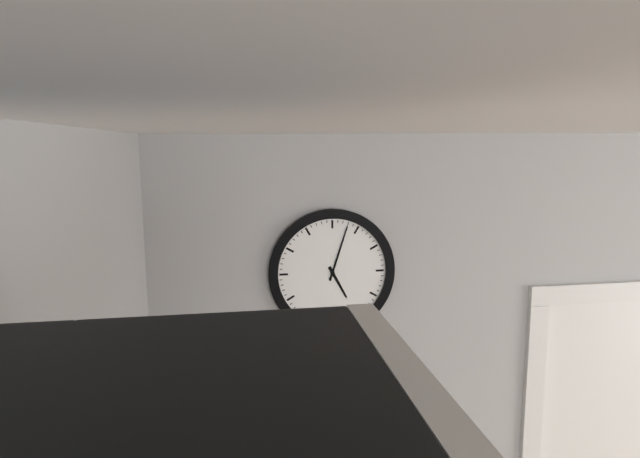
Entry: 5:03
